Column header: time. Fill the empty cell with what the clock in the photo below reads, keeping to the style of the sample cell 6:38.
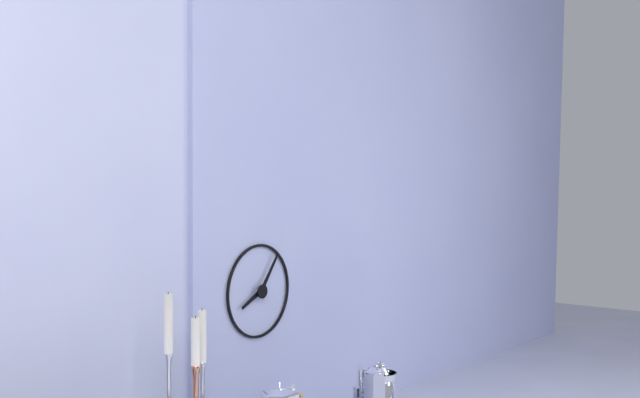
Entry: 8:06
